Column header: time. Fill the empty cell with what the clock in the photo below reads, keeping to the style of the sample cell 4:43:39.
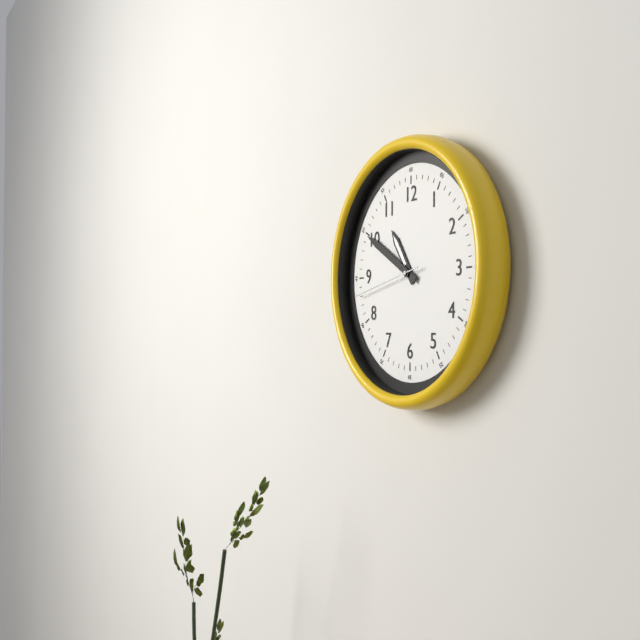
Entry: 10:50:43
